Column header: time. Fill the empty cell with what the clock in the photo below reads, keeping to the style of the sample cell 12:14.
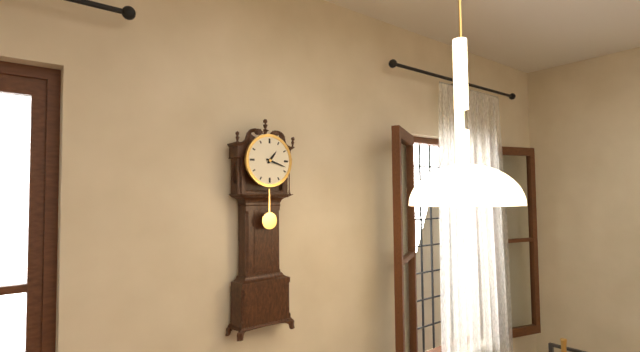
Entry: 1:18
